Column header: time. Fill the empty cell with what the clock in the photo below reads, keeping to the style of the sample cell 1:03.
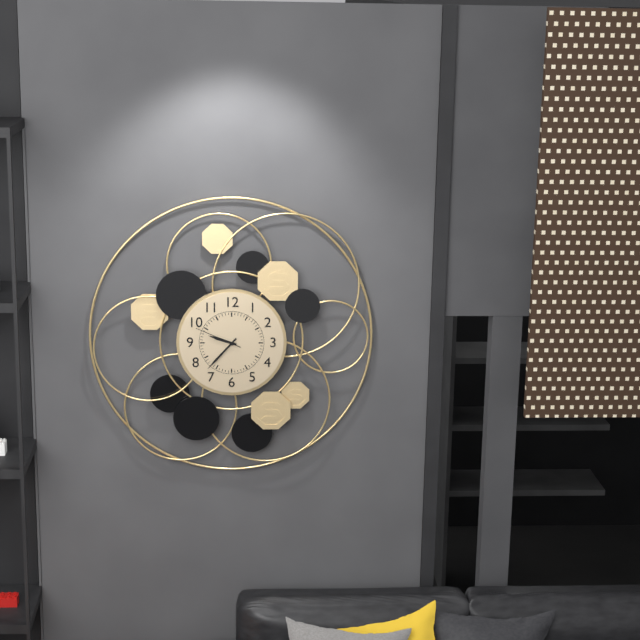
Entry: 9:37
